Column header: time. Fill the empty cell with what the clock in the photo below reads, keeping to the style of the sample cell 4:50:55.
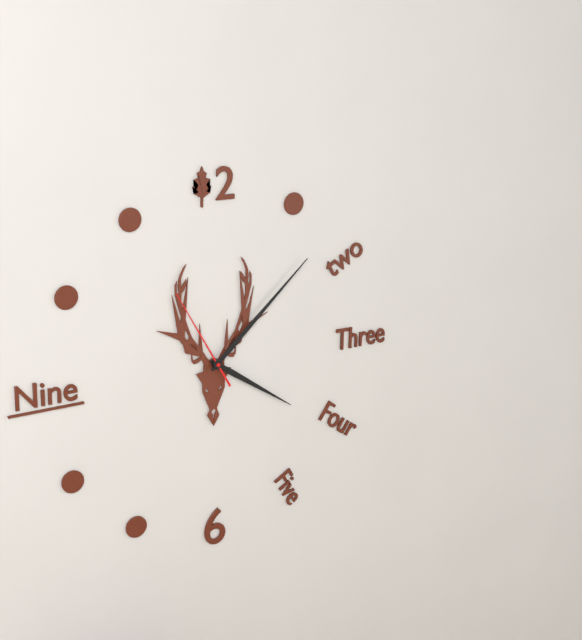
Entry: 4:08:55
